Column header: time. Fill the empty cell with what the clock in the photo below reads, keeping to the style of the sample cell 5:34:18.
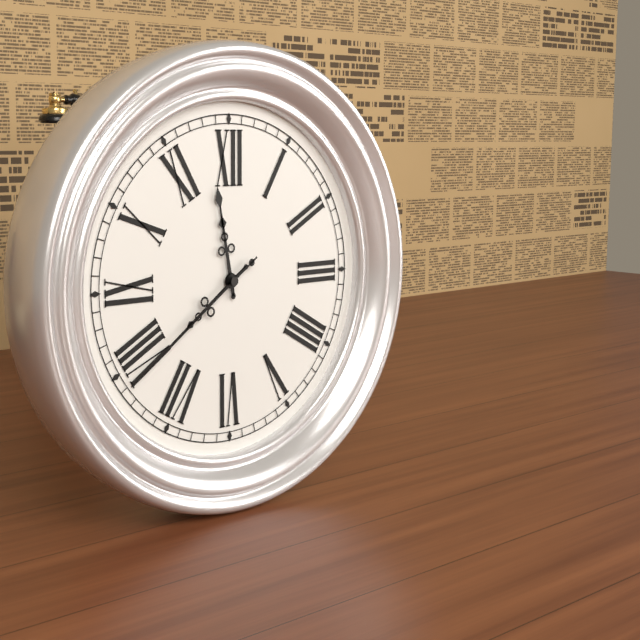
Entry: 11:39:39
